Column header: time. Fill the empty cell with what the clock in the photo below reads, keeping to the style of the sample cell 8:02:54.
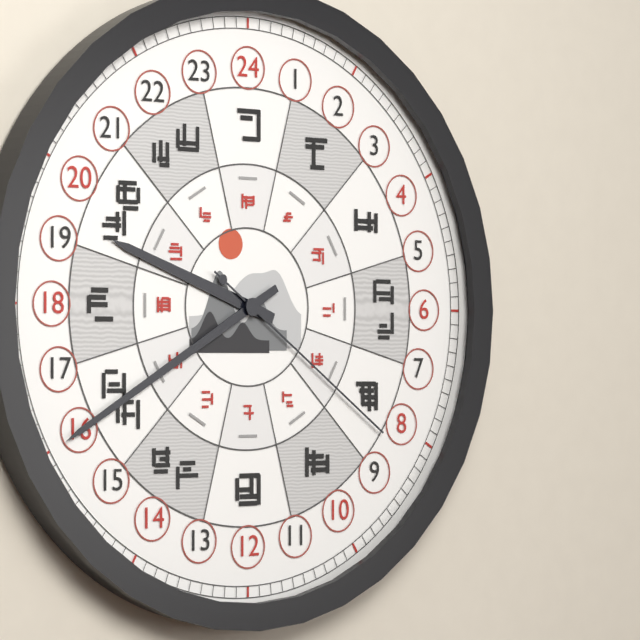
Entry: 9:40:21
